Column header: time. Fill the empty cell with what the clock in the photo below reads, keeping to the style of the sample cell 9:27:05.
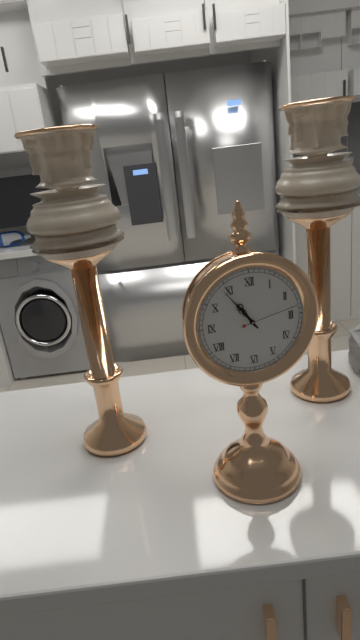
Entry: 10:54:13
